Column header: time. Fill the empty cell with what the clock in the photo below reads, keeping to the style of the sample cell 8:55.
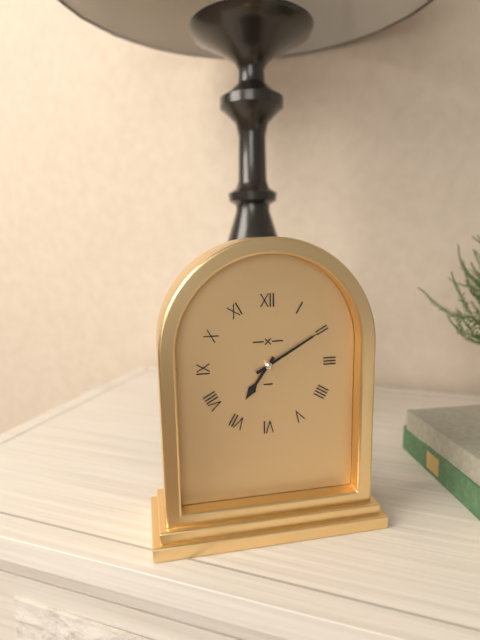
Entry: 7:10
